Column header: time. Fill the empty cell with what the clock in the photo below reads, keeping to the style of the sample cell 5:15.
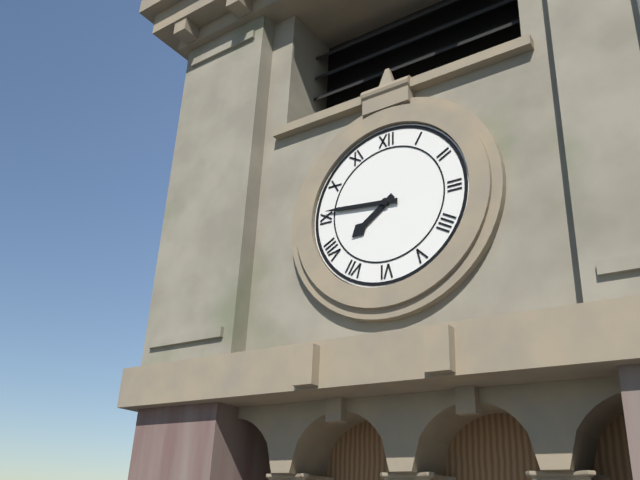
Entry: 7:46
